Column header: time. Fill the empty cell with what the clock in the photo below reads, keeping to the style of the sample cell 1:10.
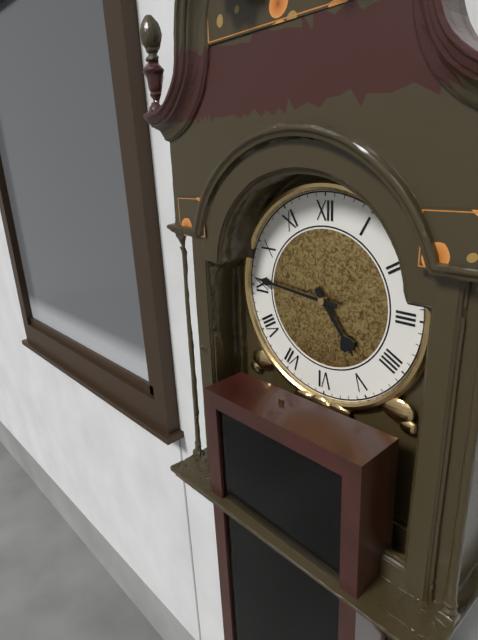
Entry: 4:46
